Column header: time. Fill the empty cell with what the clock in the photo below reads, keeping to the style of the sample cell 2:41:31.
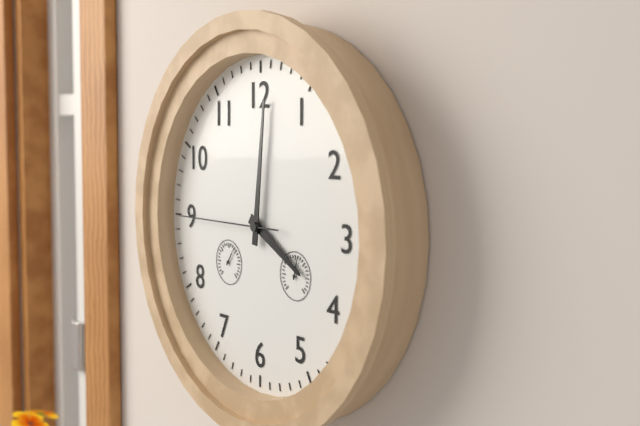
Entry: 4:01:45
